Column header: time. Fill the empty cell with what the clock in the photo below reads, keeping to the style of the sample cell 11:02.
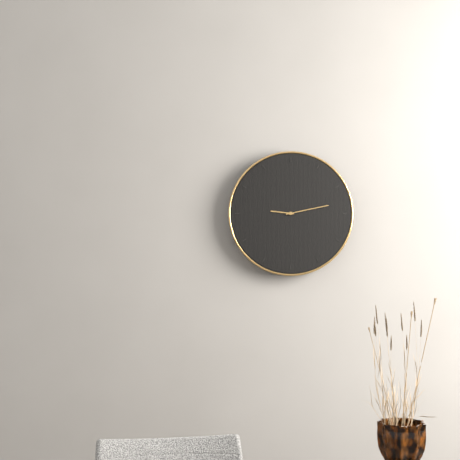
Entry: 9:13
